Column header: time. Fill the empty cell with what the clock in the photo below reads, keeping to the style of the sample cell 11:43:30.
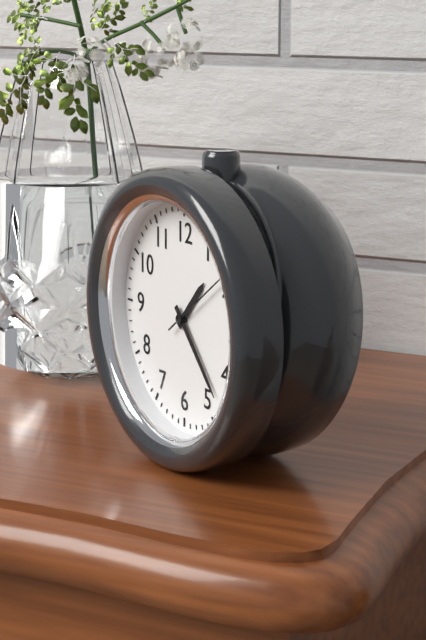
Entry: 1:23:09
